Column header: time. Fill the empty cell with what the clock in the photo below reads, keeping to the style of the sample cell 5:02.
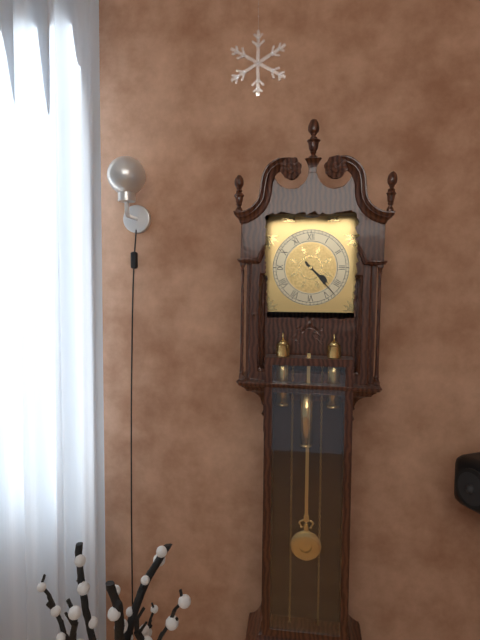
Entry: 4:23
